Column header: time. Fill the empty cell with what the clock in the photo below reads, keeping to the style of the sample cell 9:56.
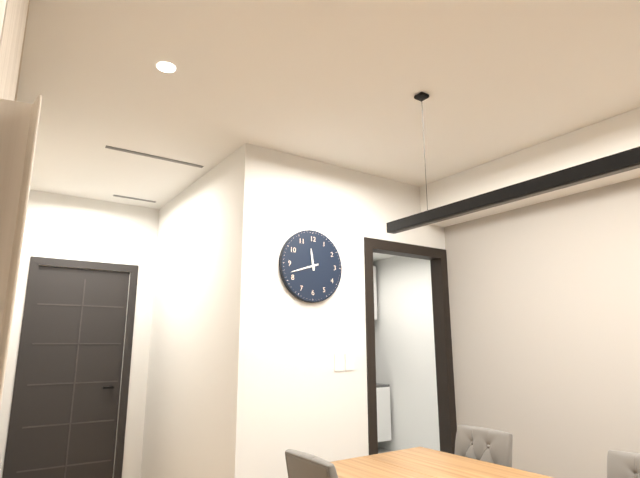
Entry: 11:42
